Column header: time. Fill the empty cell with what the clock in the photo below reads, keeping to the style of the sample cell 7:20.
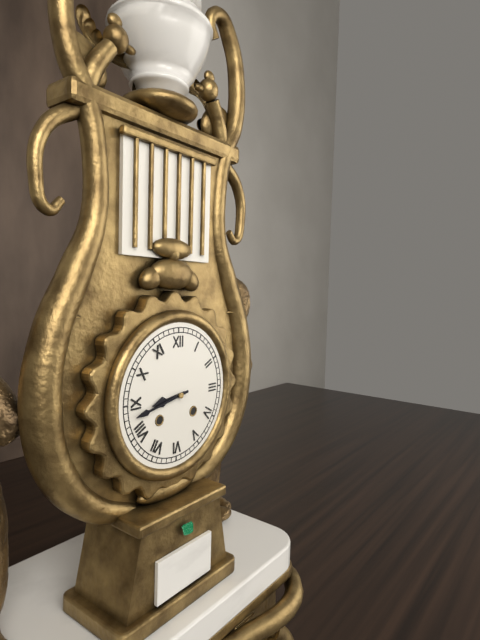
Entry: 8:43
